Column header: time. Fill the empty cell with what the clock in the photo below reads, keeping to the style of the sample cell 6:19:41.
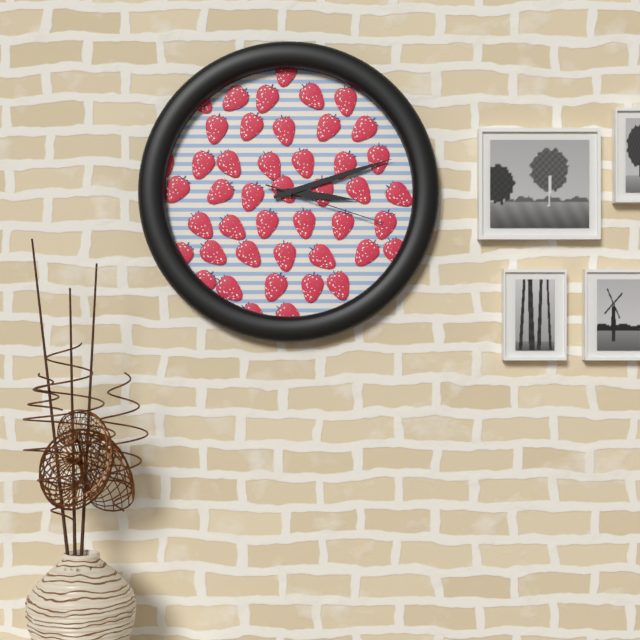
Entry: 3:12:18
